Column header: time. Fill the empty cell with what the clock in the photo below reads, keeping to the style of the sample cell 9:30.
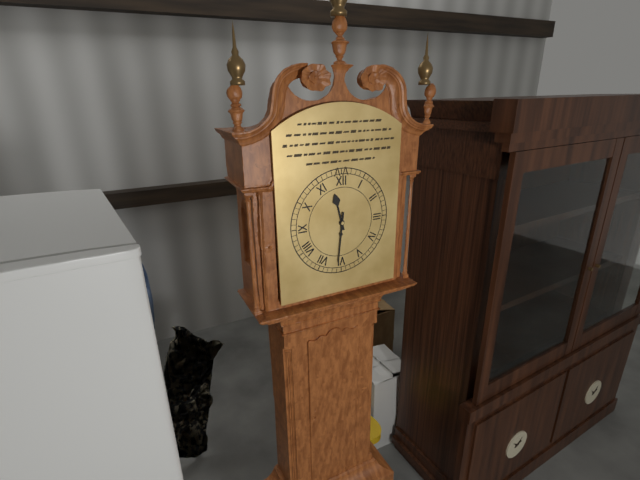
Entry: 11:31
